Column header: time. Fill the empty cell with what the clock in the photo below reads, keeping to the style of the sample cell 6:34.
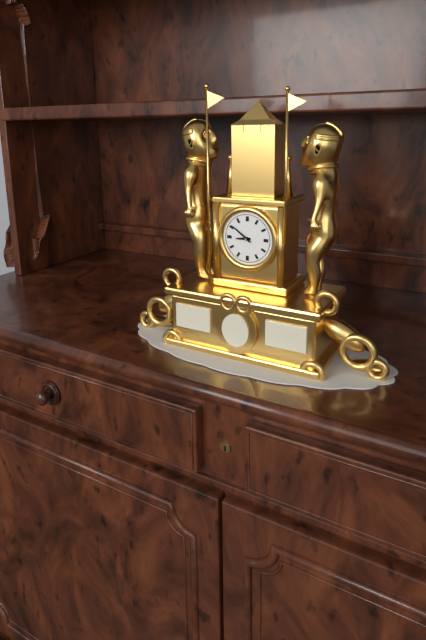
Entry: 8:51
